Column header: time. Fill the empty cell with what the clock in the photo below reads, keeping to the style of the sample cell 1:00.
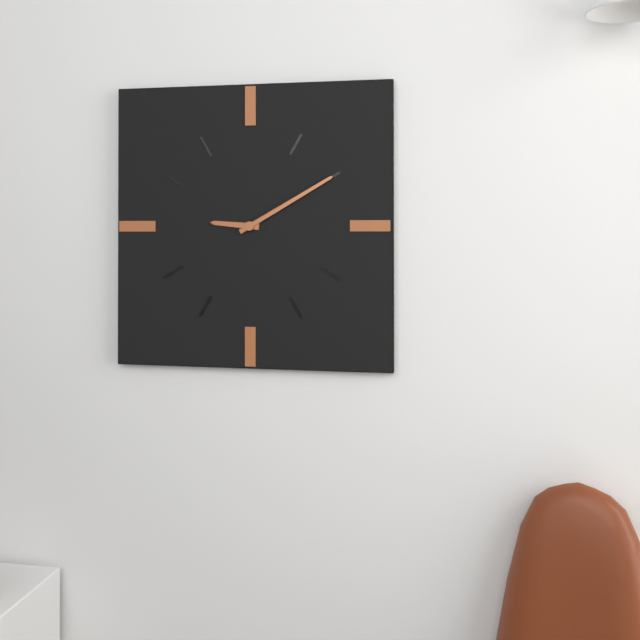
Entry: 9:10
